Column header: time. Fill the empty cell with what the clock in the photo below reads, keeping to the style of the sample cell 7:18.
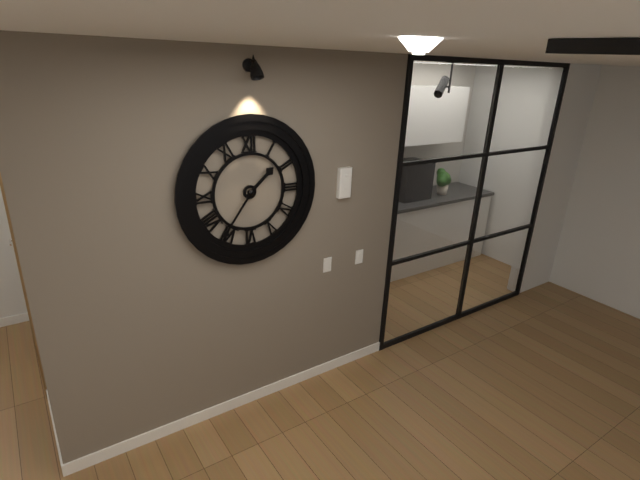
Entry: 1:36
